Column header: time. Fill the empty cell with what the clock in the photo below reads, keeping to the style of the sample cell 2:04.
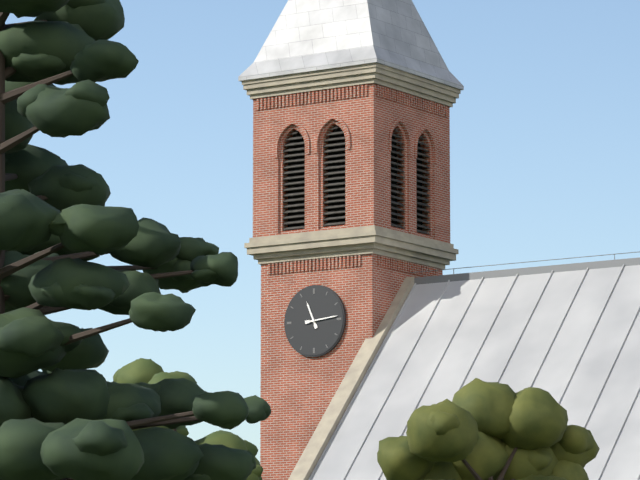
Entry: 11:14
